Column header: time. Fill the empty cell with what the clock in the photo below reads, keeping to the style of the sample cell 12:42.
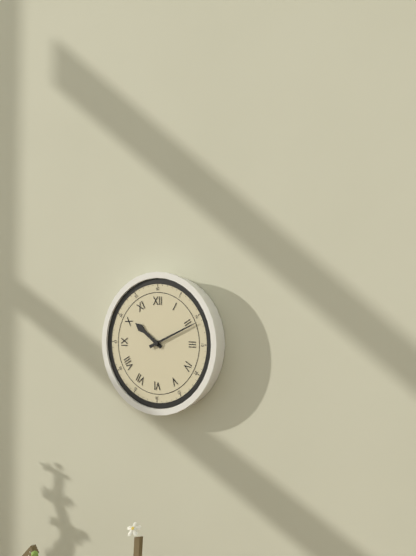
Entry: 10:11
